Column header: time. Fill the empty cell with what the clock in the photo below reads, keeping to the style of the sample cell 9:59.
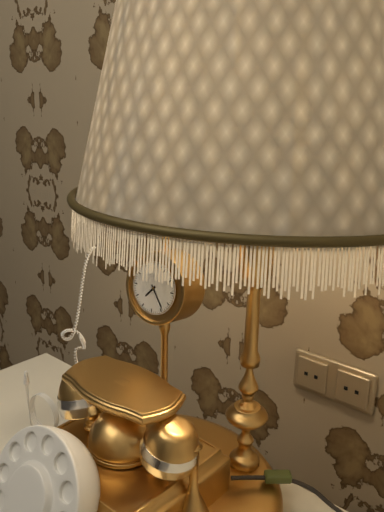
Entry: 7:24
